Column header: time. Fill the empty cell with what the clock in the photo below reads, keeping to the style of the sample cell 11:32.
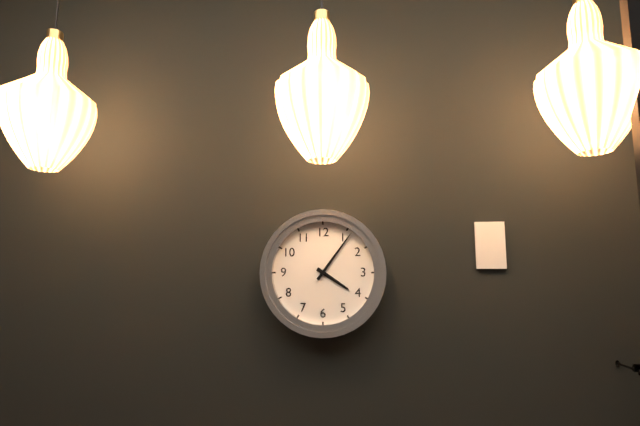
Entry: 4:06
